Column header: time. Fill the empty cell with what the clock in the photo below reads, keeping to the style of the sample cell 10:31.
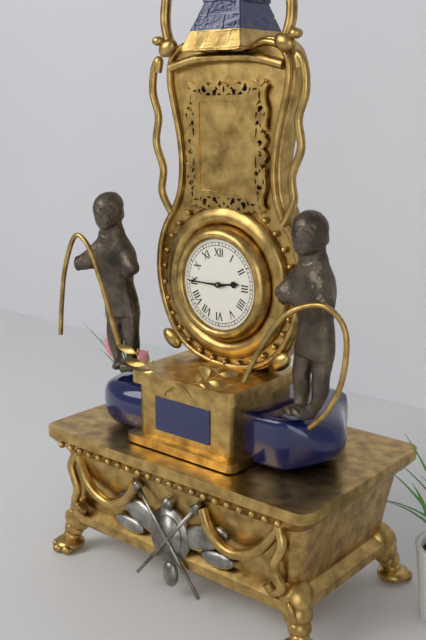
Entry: 2:45
